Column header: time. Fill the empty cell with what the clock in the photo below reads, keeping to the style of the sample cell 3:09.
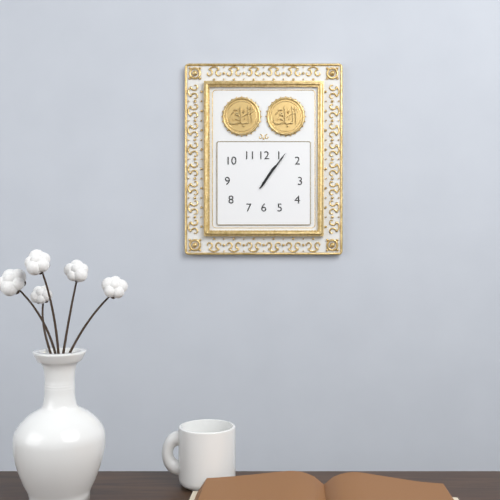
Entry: 1:06
